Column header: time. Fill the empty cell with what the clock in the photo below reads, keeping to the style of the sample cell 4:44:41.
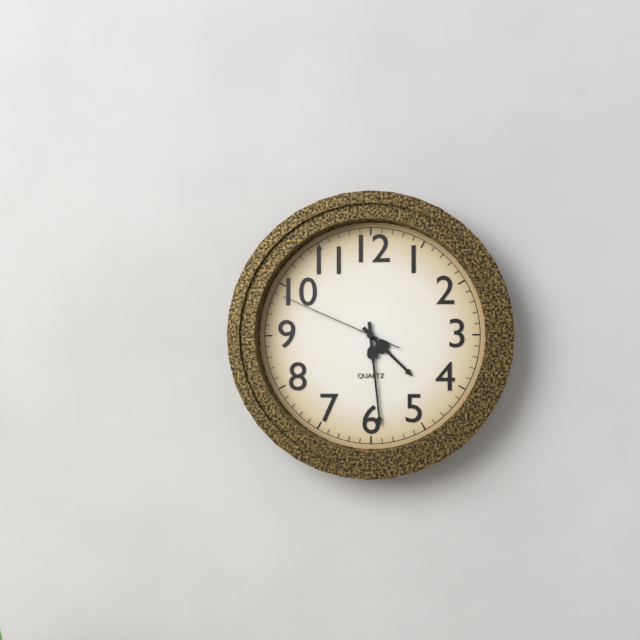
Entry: 4:29:49
